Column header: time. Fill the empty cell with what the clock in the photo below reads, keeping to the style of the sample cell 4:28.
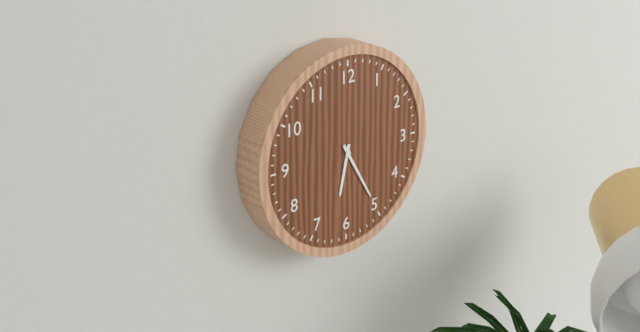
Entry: 6:25
